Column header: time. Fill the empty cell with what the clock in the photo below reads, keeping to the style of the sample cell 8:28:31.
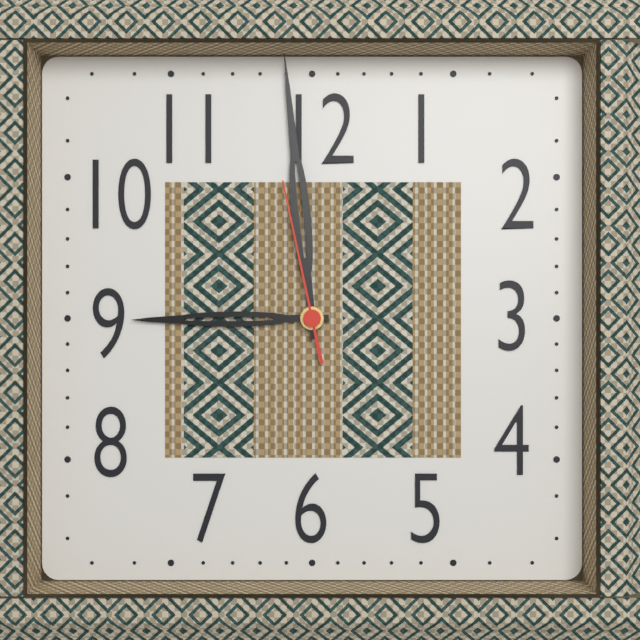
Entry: 8:59:58
